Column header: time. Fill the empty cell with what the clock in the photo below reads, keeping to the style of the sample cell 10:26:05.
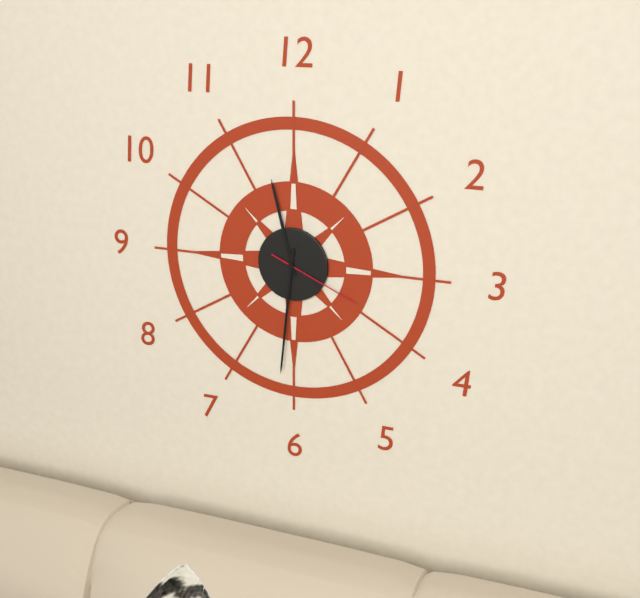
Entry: 11:31:19
